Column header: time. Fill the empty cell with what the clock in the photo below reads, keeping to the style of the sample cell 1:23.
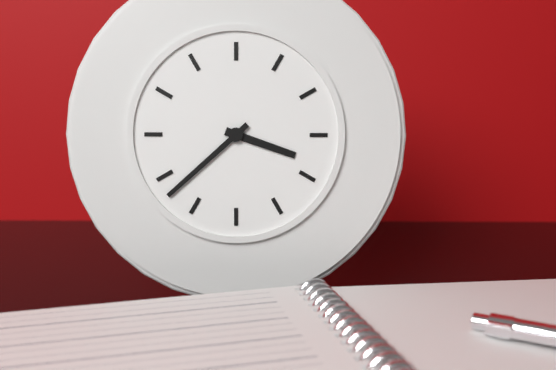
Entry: 3:38
